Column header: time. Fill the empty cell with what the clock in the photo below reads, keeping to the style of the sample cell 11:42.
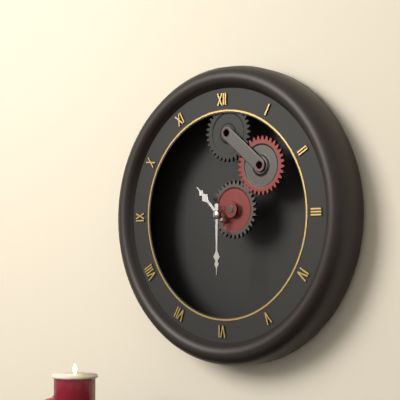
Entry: 10:30
